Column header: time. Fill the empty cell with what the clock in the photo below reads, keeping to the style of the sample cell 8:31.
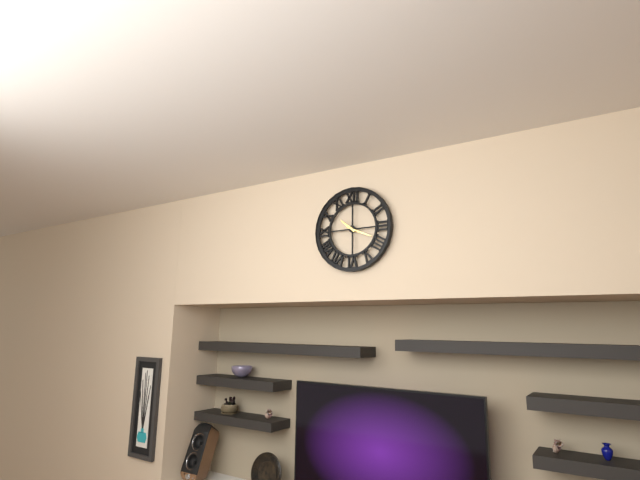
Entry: 10:19
